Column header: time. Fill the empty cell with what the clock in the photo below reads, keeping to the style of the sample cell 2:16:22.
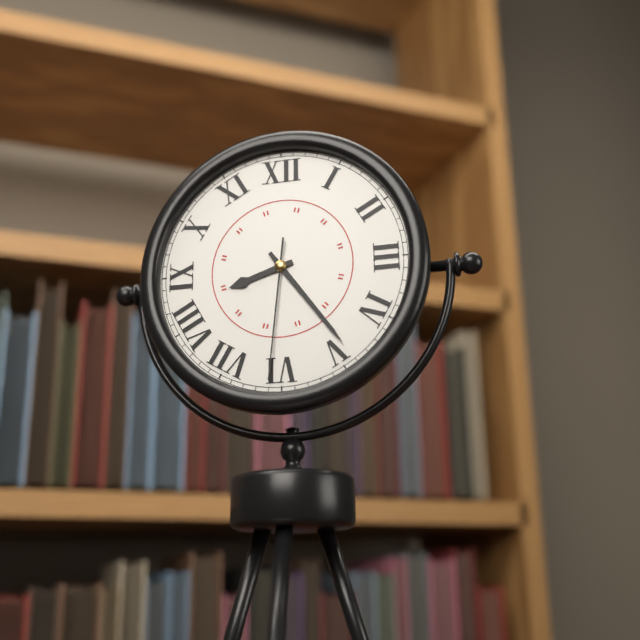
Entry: 8:24:31
